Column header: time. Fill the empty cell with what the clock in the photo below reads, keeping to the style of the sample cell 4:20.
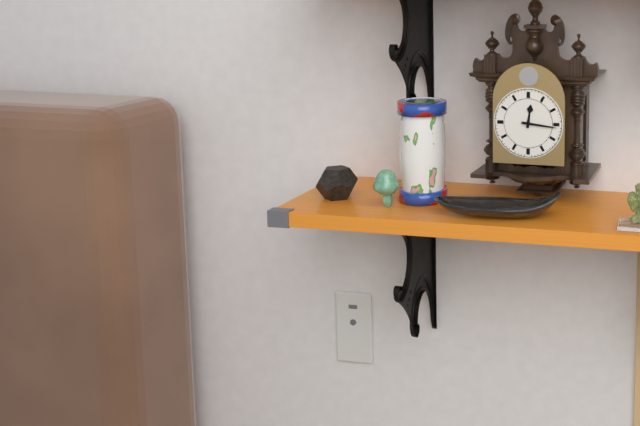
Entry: 12:16
